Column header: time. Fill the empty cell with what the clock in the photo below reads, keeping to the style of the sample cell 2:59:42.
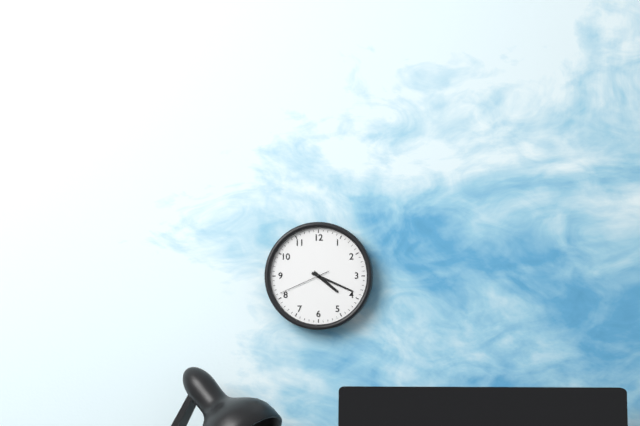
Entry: 4:19:41
